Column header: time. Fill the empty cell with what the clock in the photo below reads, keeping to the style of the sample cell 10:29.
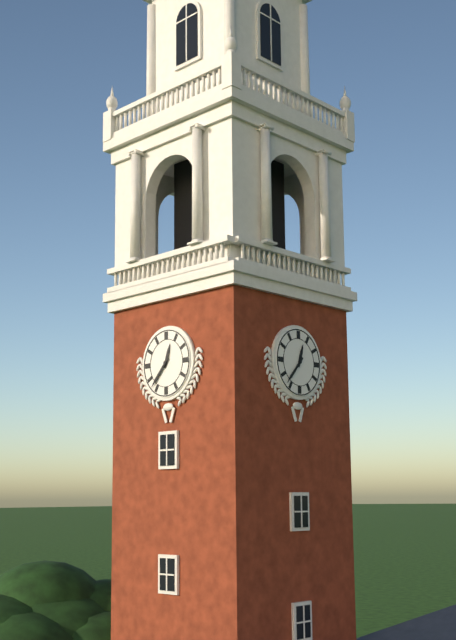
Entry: 12:37
